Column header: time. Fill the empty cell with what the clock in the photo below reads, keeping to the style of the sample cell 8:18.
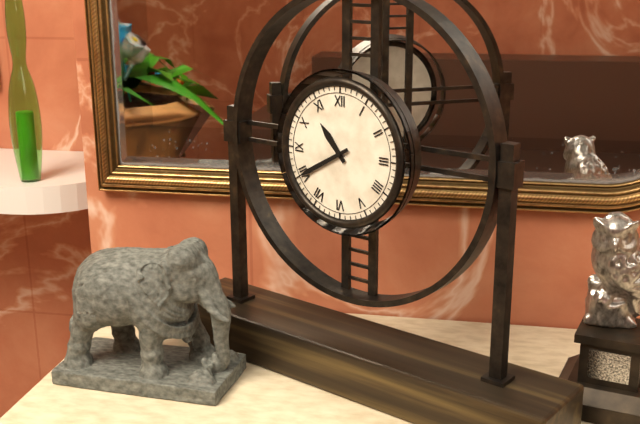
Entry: 10:40
